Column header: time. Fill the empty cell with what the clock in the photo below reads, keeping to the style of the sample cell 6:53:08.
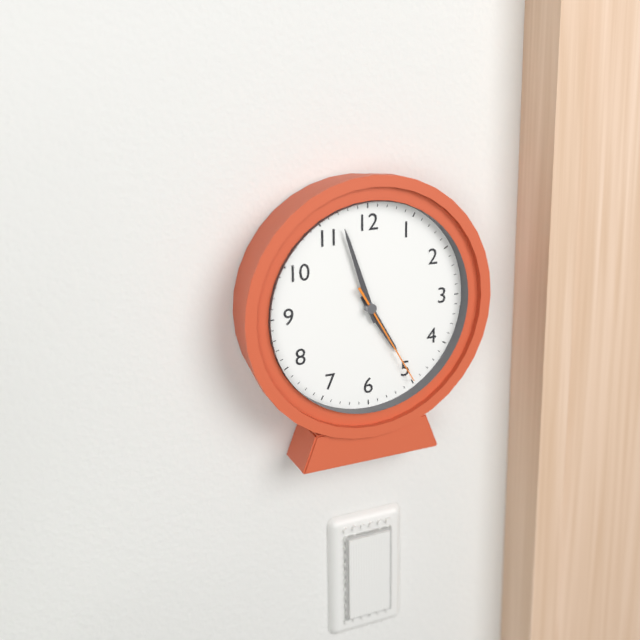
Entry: 4:57:25
